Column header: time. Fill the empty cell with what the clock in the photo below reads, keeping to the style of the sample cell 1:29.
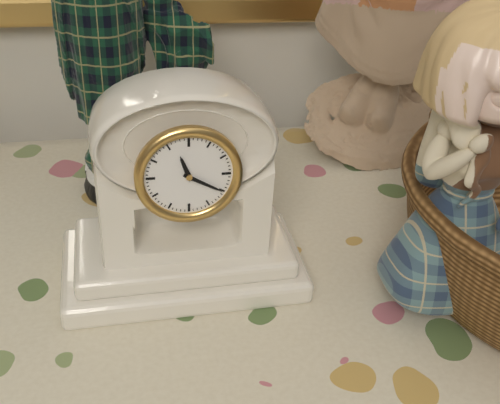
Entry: 11:20
